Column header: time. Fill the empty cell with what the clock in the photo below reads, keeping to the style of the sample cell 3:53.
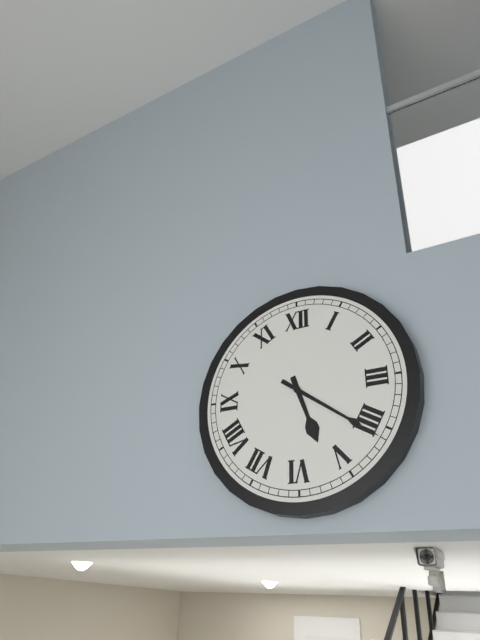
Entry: 5:21
